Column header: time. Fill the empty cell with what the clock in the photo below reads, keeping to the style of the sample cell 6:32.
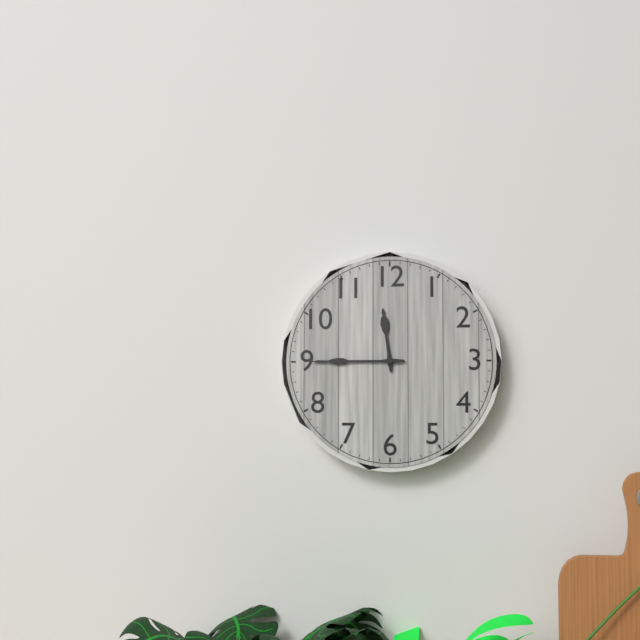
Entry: 11:45
